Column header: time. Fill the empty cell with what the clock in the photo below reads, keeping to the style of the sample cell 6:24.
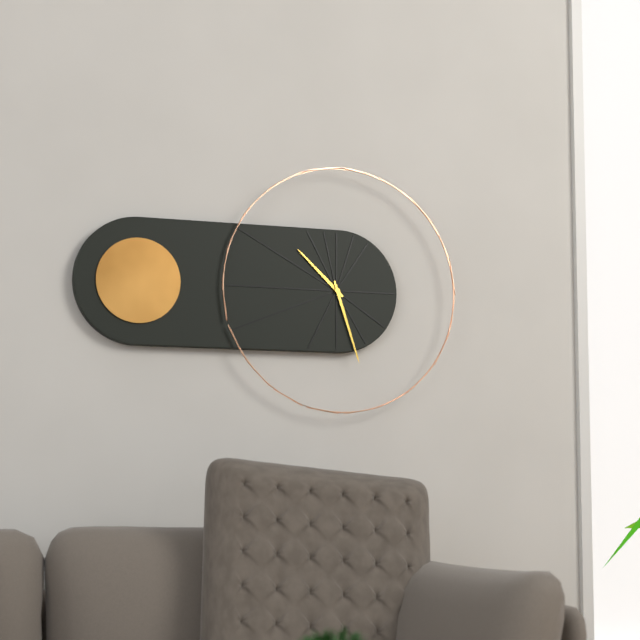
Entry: 10:27
